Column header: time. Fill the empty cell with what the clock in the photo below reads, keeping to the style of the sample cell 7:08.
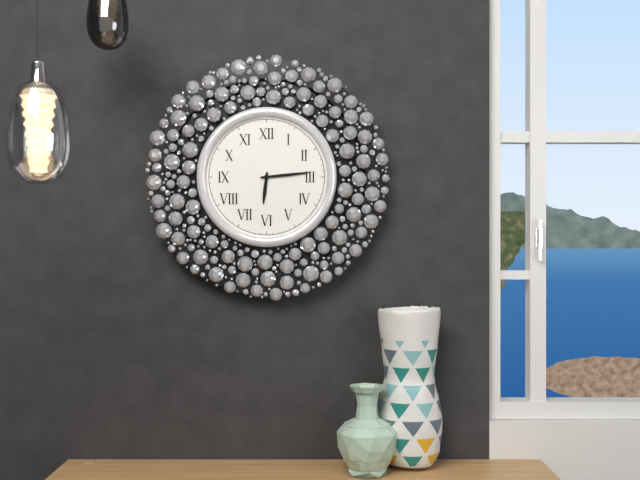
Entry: 6:14
